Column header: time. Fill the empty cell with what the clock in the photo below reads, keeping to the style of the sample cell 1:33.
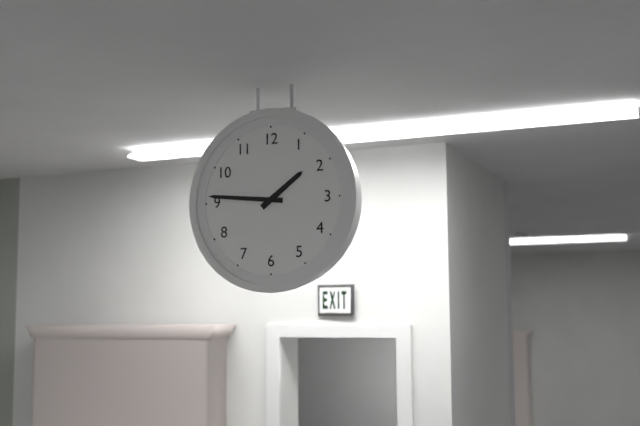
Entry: 1:46
